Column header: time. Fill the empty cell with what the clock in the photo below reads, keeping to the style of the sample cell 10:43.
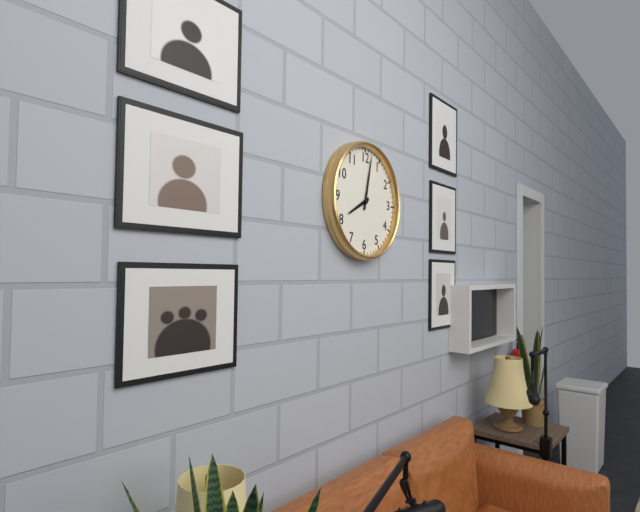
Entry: 8:02
